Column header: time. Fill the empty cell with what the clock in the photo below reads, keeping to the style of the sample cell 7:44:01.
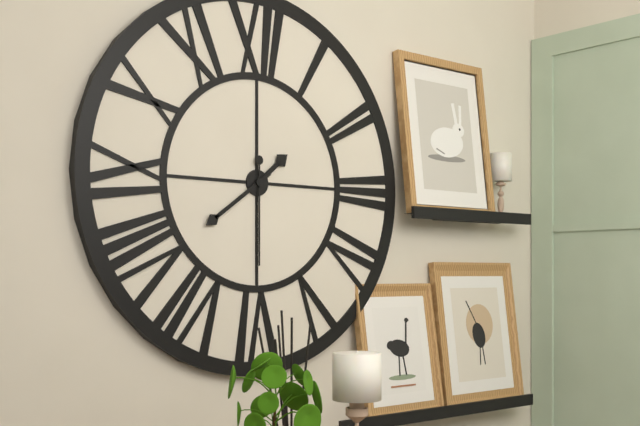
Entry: 1:39:30
